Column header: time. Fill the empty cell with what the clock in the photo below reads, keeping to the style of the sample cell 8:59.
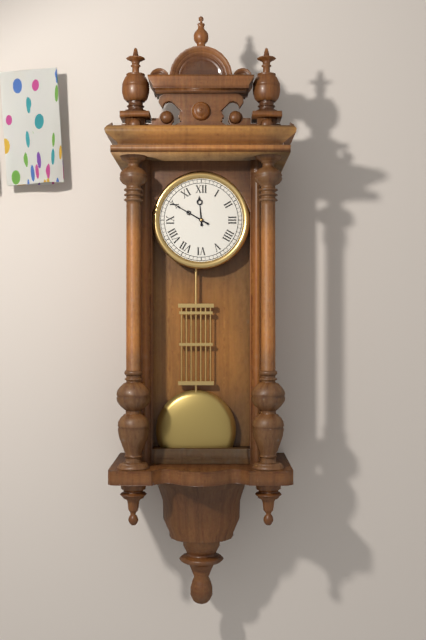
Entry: 11:50
